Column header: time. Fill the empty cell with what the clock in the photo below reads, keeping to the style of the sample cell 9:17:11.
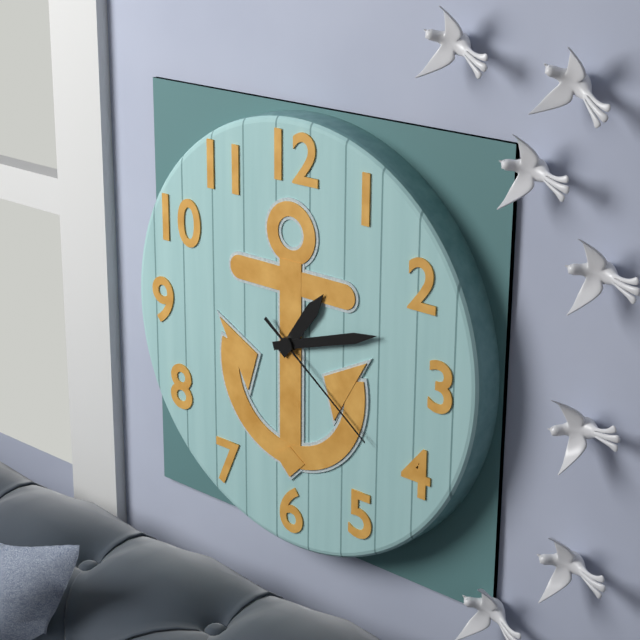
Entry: 1:12:21
